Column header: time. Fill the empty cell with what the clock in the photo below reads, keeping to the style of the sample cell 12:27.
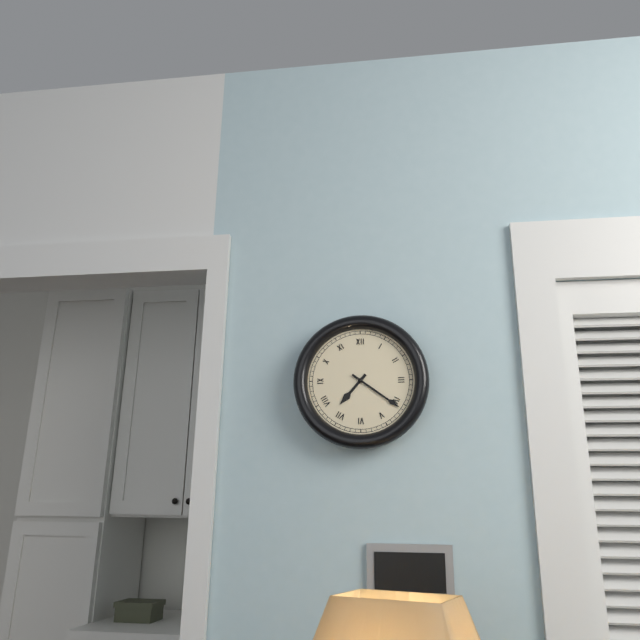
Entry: 7:21
